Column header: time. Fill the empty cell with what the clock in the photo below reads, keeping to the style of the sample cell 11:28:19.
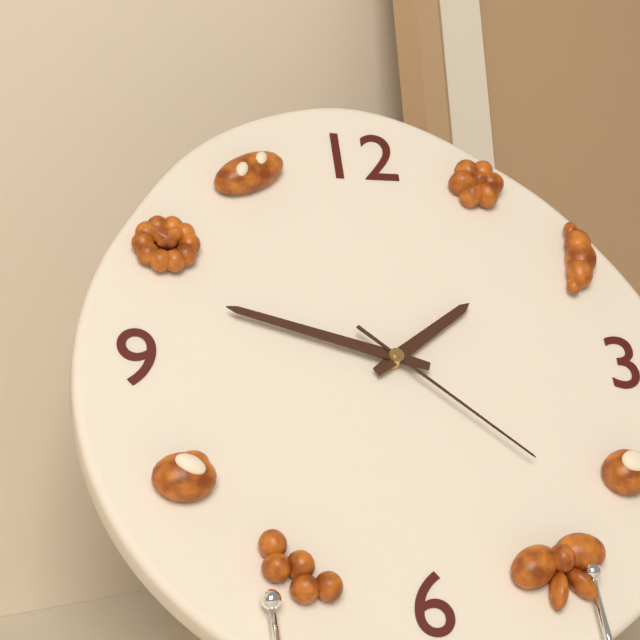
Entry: 1:48:22
